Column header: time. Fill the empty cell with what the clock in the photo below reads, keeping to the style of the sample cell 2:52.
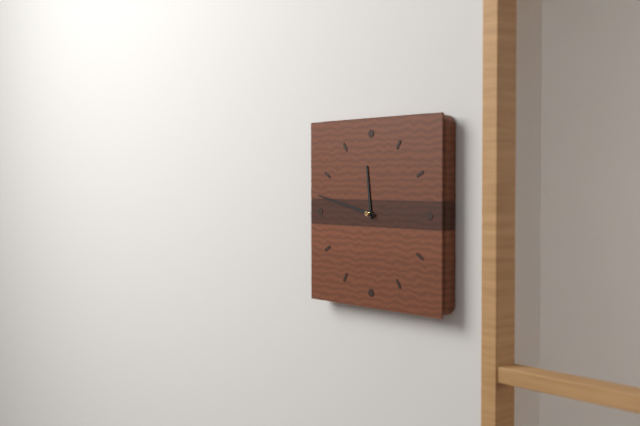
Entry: 11:47
